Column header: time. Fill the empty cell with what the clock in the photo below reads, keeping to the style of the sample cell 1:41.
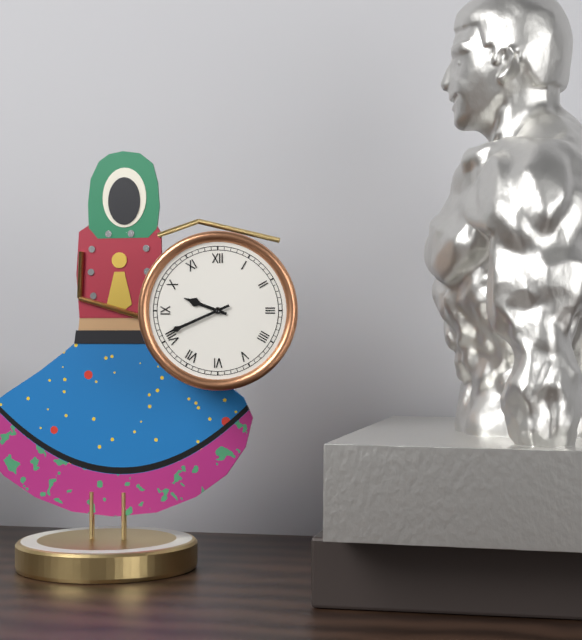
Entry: 9:41
